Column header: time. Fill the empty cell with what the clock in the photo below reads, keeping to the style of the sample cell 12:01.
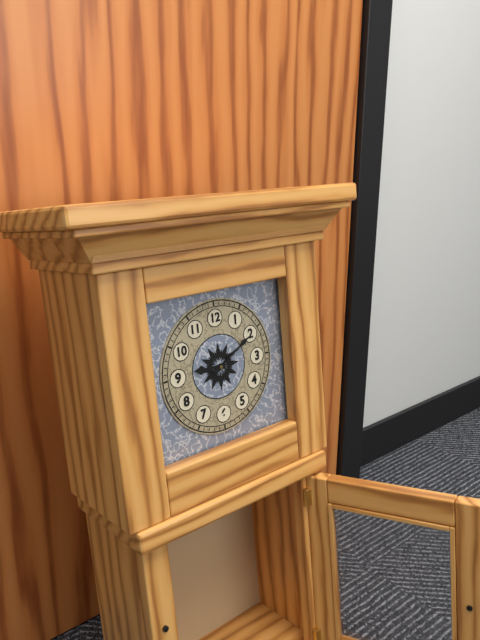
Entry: 9:10
